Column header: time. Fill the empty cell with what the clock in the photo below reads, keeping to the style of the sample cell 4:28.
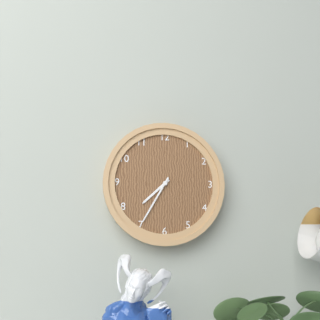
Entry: 7:35
